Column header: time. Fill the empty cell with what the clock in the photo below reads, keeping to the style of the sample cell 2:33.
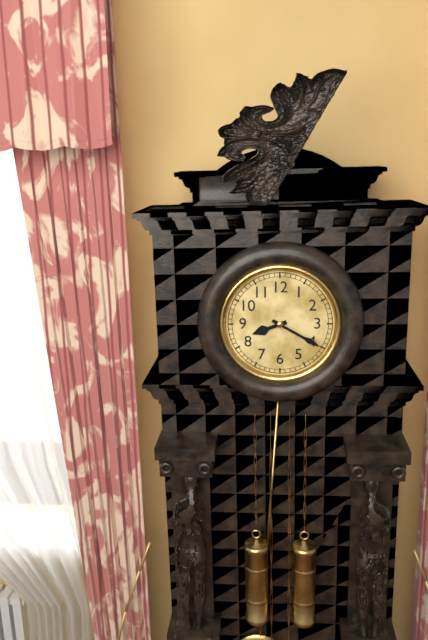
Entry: 8:20
